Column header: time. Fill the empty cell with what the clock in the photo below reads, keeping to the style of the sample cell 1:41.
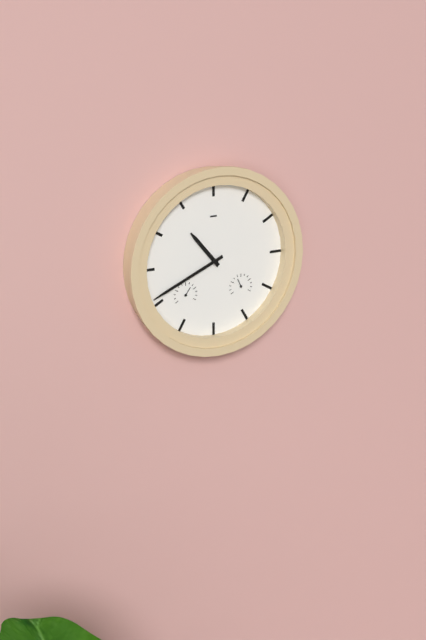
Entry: 10:41
